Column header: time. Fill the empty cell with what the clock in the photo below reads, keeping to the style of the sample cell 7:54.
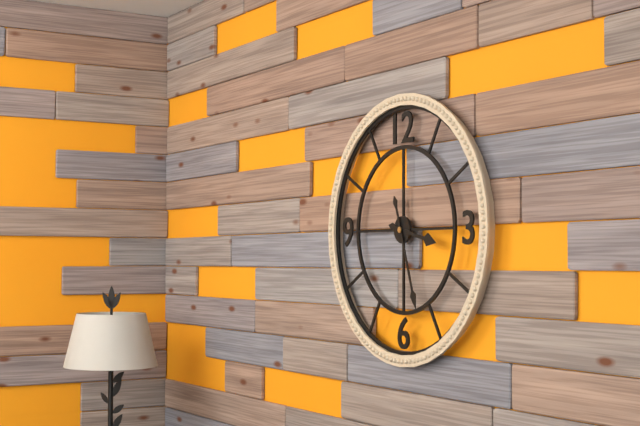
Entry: 3:27
